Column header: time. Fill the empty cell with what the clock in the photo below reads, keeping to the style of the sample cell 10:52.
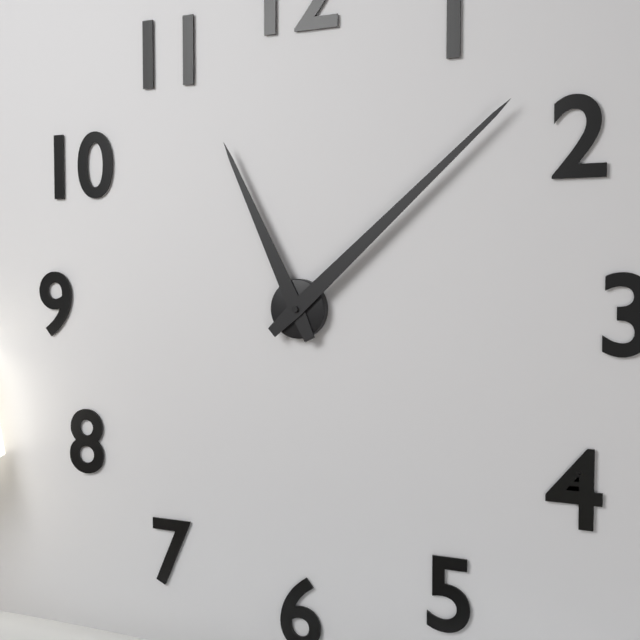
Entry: 11:08
